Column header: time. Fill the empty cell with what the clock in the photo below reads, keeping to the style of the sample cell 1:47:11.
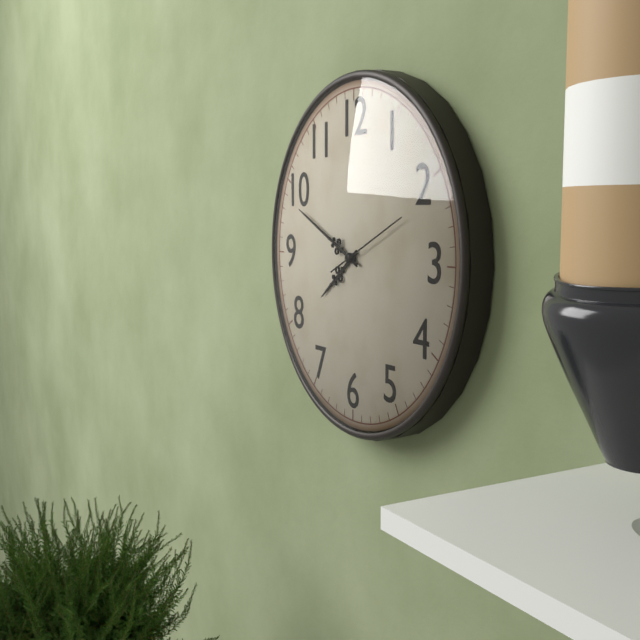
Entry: 7:49:11
